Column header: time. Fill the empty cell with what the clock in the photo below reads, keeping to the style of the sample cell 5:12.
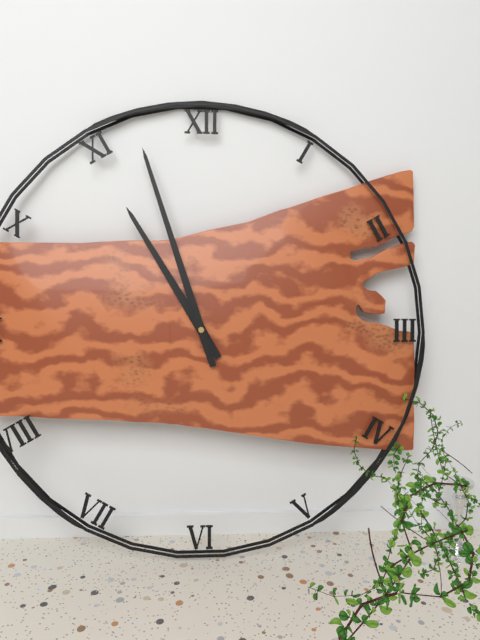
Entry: 10:57
